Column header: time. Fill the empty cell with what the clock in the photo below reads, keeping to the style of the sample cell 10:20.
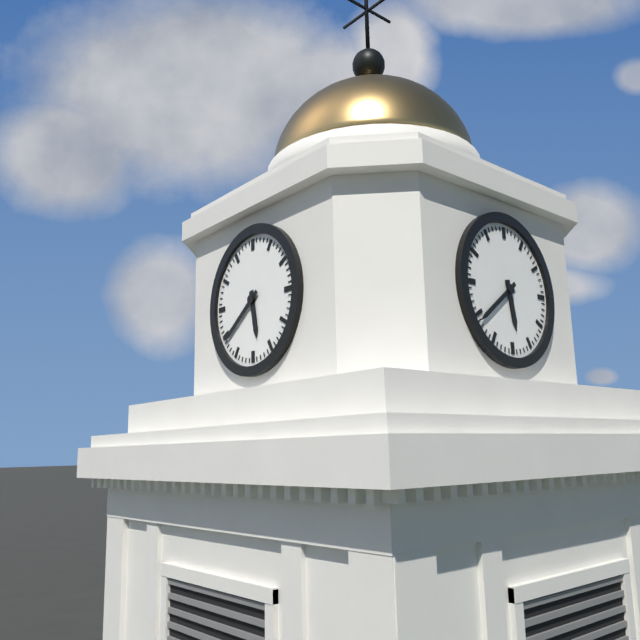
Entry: 5:39
